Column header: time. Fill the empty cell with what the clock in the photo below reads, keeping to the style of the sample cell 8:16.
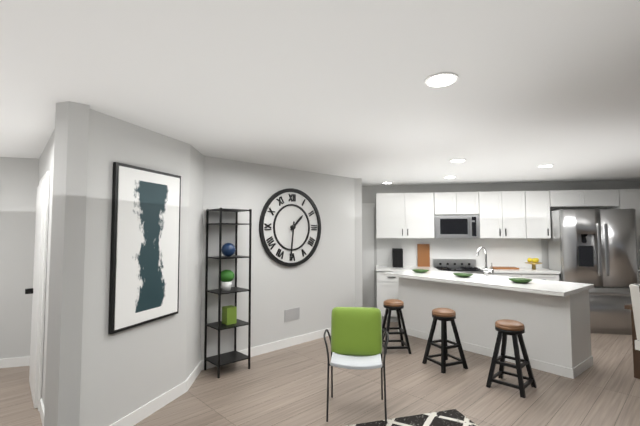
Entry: 1:31
